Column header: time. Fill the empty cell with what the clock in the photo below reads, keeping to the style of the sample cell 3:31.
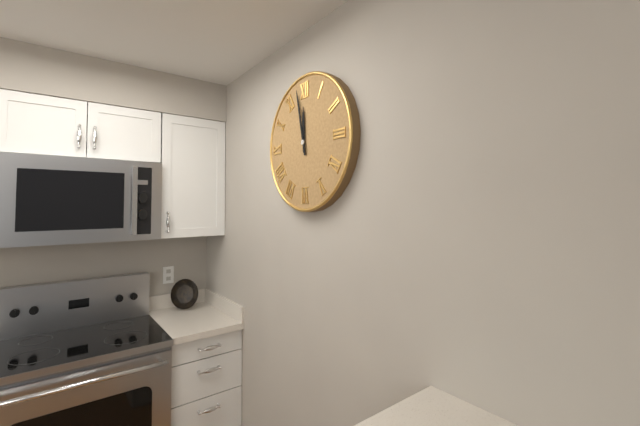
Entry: 11:58
